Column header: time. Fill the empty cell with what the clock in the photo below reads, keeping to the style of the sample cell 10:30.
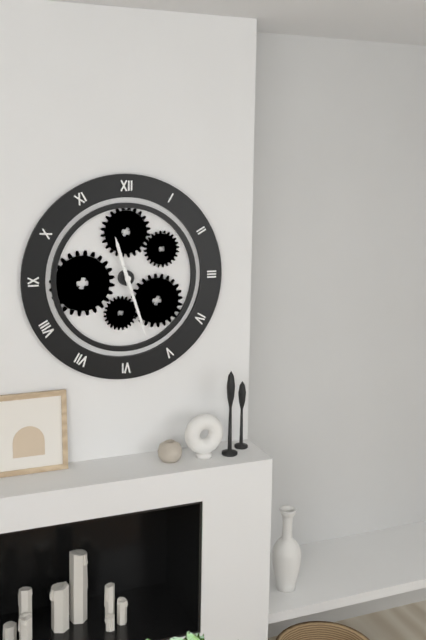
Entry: 11:27
